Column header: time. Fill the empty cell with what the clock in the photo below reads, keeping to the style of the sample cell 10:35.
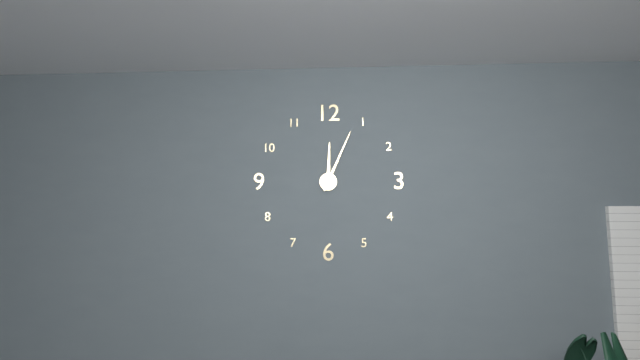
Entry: 12:04
